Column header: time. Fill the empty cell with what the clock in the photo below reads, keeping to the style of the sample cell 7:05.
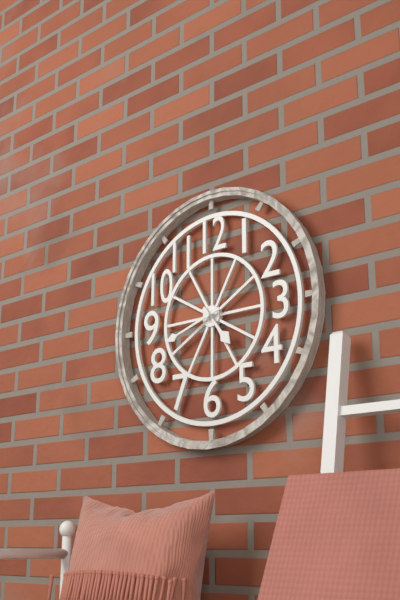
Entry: 4:42
